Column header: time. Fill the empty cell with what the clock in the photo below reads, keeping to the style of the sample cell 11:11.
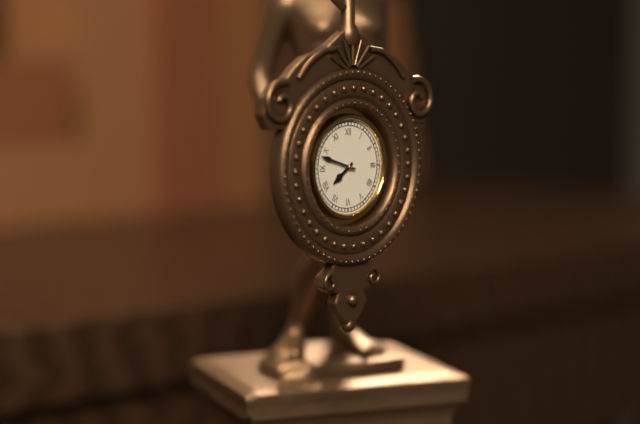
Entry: 7:48
